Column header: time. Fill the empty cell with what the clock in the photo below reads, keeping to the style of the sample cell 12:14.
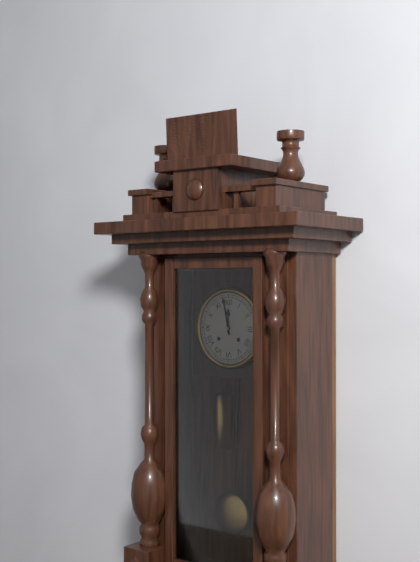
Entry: 11:58
